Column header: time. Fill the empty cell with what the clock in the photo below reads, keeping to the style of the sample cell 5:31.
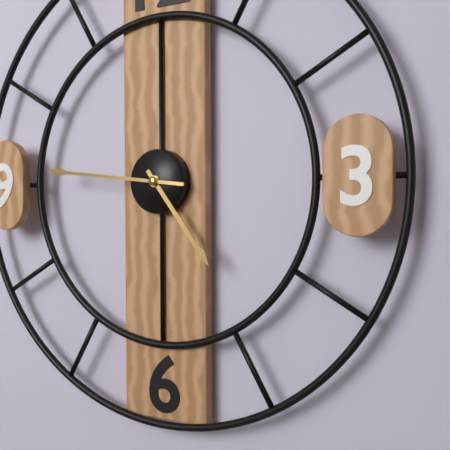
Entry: 4:46
